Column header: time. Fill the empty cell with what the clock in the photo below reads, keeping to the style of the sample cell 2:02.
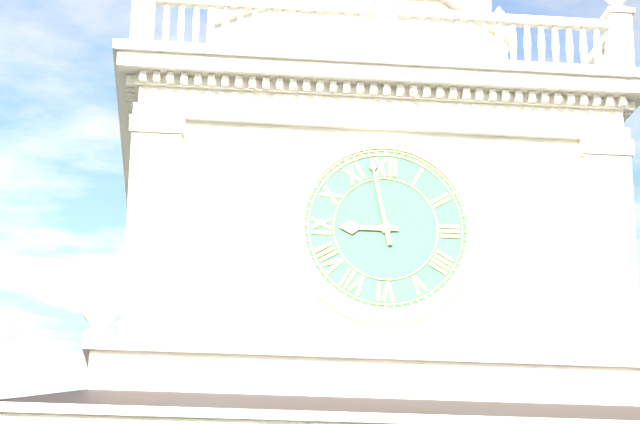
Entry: 8:58
